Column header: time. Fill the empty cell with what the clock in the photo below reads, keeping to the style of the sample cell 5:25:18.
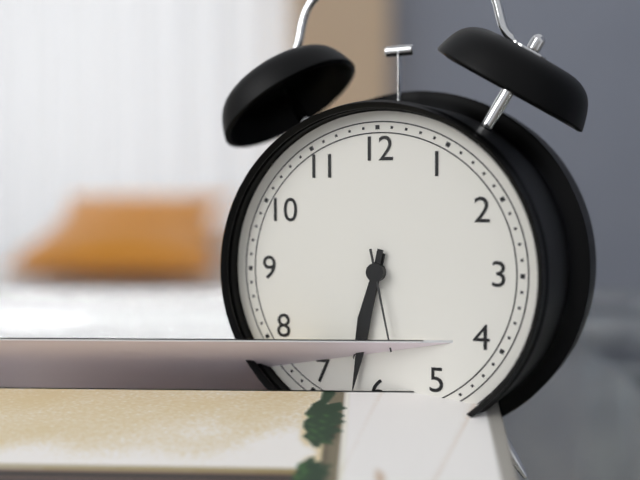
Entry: 6:32:28
